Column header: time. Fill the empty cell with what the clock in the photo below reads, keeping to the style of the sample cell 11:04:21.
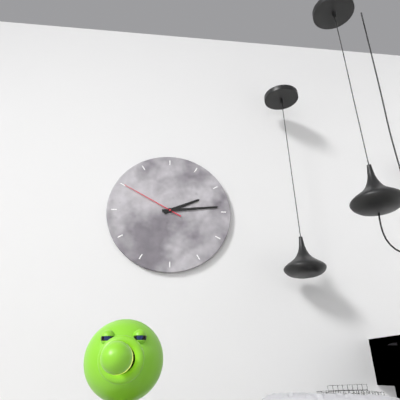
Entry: 2:14:50
